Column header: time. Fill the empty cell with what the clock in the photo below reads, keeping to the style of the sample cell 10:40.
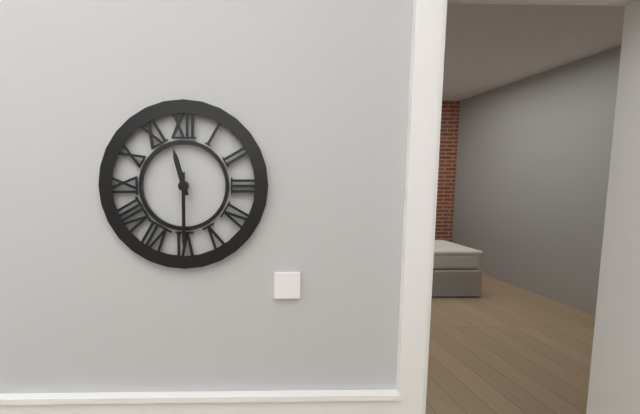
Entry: 11:30
